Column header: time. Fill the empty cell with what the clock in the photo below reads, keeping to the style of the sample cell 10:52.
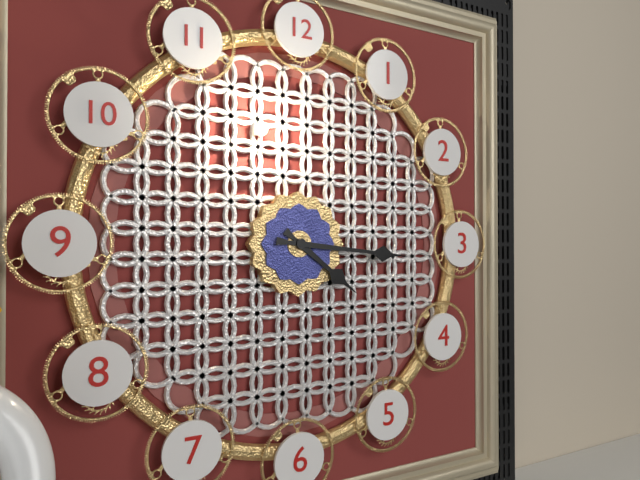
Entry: 4:16
